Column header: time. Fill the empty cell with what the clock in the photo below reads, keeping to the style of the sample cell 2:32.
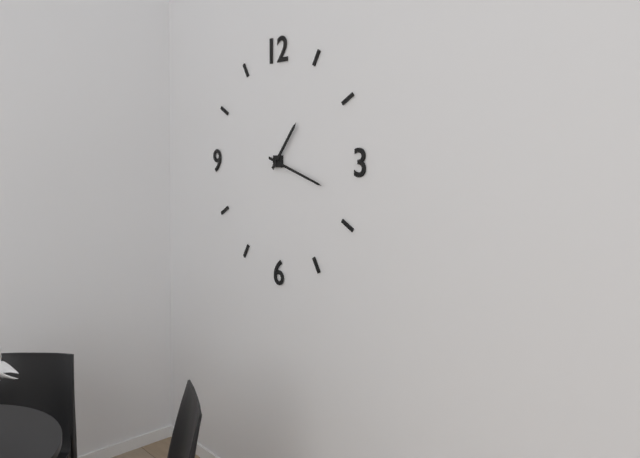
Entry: 1:18
